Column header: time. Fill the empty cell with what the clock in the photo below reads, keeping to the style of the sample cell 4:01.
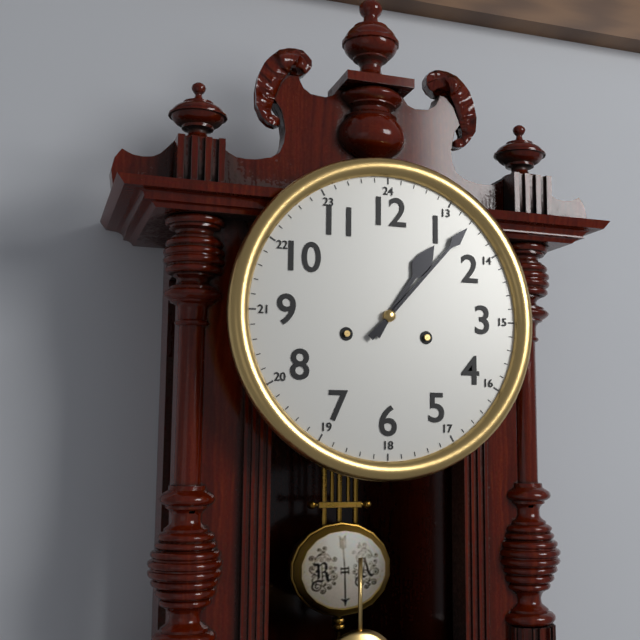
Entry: 1:07
